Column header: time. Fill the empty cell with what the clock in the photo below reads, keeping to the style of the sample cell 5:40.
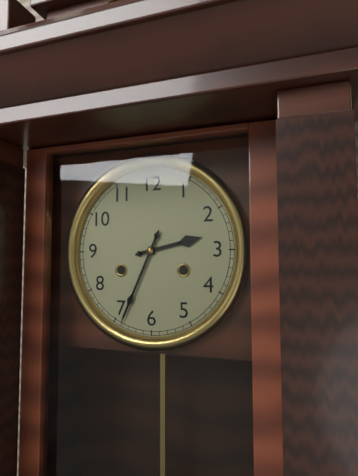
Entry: 2:34
